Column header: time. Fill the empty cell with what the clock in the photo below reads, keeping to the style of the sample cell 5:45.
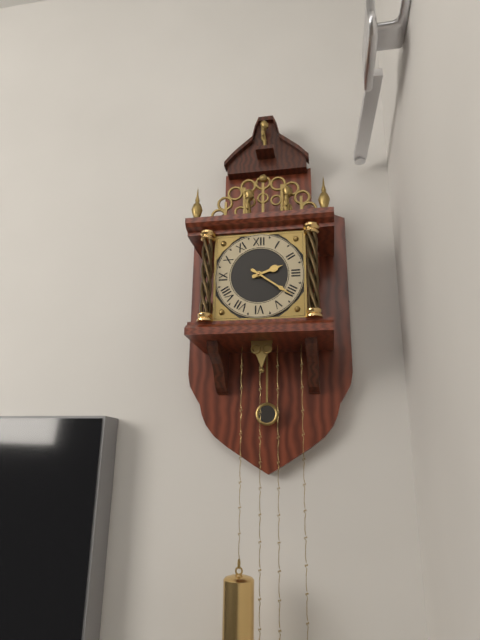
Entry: 2:21
